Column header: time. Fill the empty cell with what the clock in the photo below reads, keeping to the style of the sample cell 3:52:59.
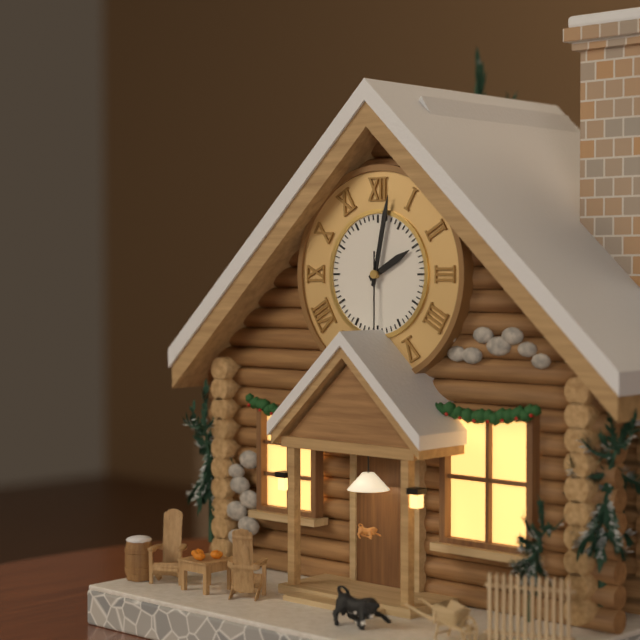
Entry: 2:02:30
